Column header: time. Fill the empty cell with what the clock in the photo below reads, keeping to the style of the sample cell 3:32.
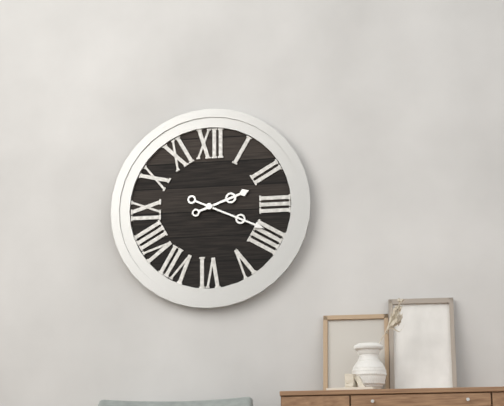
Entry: 2:19
